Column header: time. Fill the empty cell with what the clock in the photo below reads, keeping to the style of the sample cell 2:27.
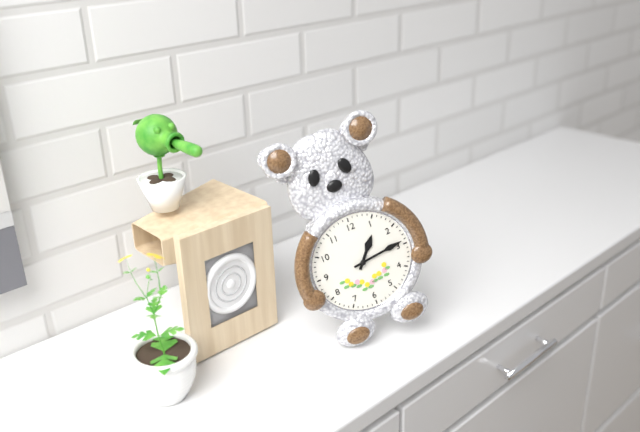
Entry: 1:14
